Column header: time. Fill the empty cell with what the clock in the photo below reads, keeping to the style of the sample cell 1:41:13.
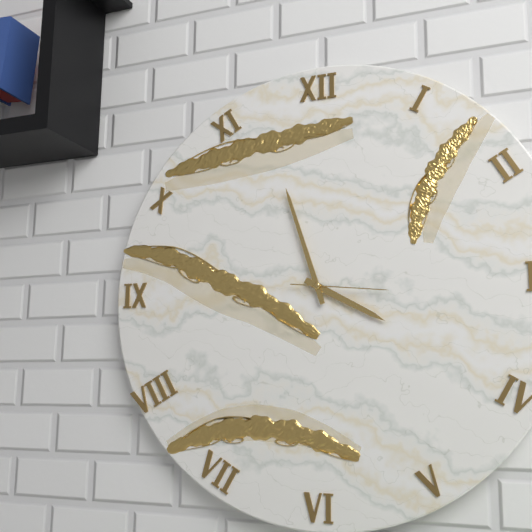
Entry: 3:57:16
